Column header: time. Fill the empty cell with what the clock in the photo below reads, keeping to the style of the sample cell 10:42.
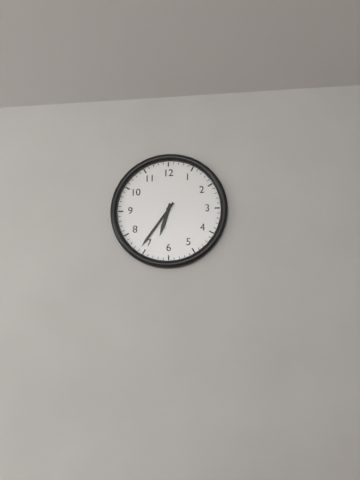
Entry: 6:36
